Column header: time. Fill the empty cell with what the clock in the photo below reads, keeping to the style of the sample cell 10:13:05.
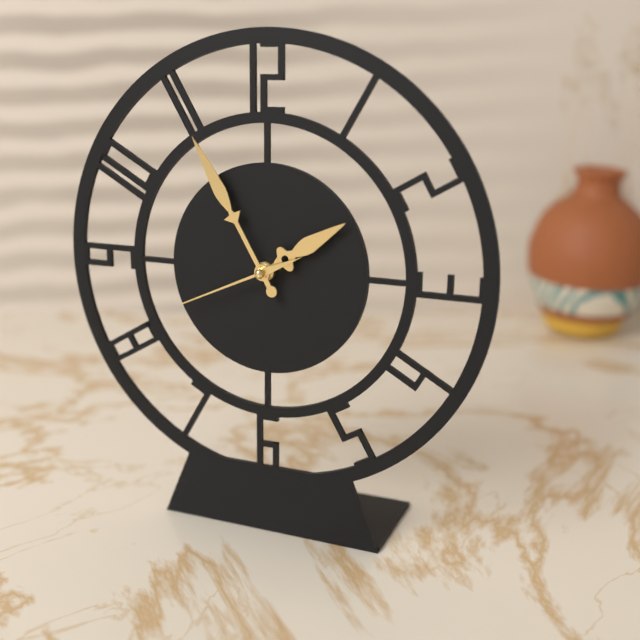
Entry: 1:55:41
